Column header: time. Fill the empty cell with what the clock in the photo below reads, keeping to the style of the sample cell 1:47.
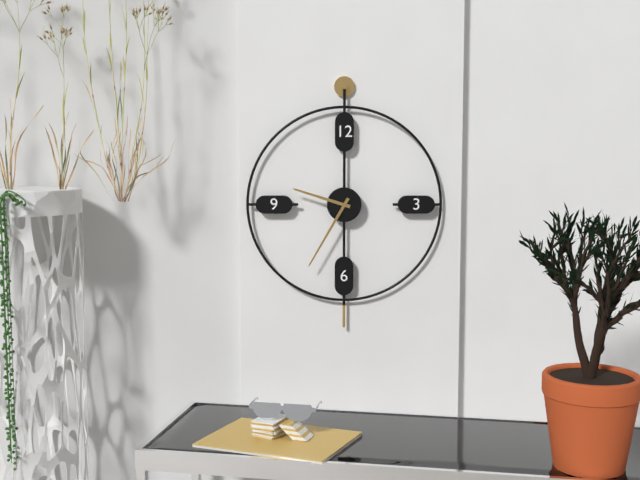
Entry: 9:35
